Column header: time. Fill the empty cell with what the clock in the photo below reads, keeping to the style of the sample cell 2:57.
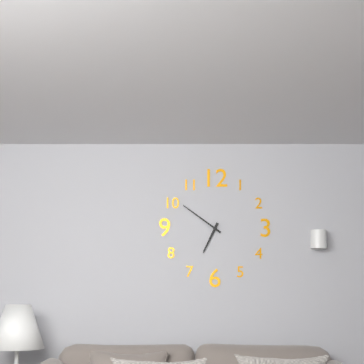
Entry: 6:51
